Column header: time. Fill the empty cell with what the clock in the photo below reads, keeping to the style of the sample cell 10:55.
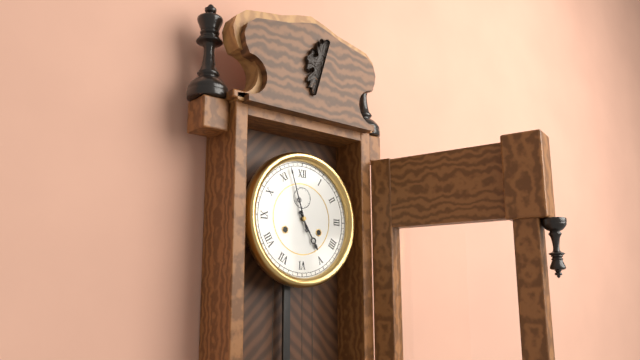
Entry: 4:57
